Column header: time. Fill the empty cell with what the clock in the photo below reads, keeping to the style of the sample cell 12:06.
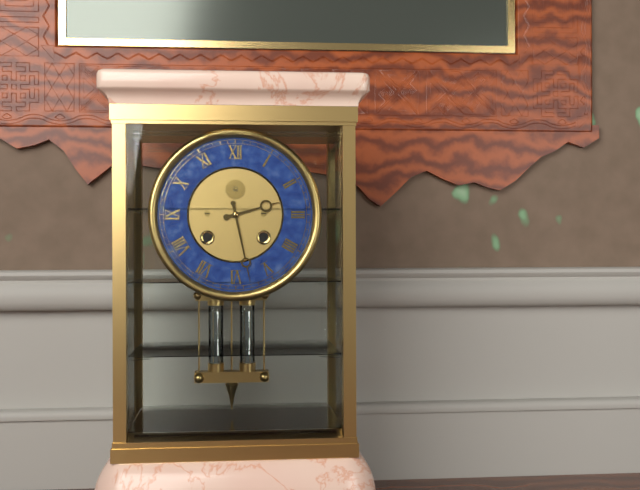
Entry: 2:28
